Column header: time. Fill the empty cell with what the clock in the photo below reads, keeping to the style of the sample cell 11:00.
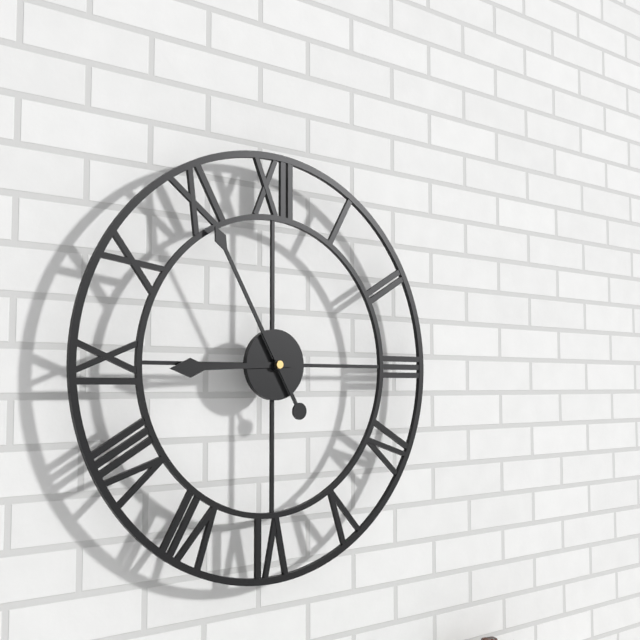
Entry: 8:55
